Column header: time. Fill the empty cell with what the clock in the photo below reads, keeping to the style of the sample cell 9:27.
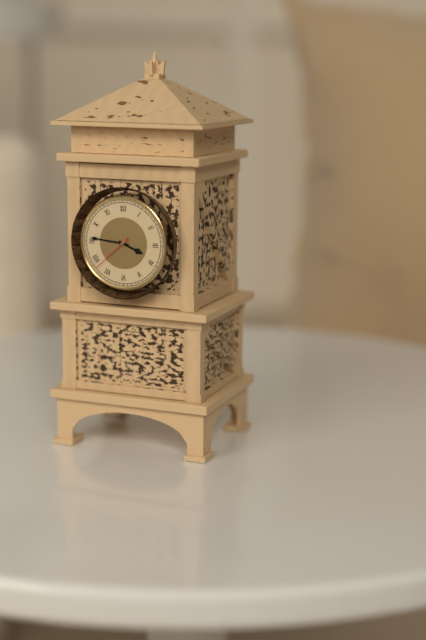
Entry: 3:46
